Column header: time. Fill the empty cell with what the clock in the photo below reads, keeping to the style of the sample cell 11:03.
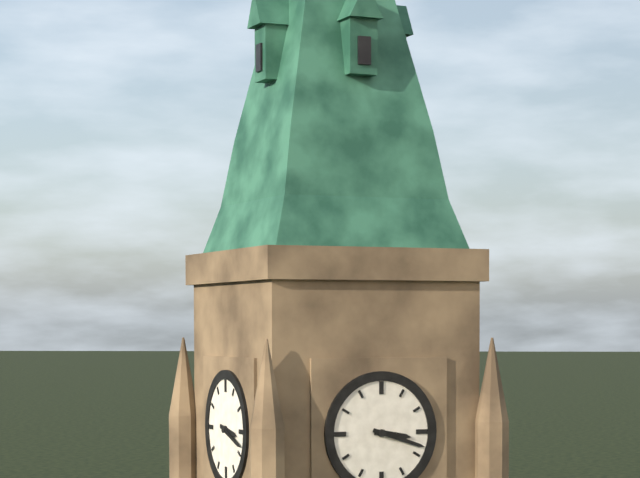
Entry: 3:18
